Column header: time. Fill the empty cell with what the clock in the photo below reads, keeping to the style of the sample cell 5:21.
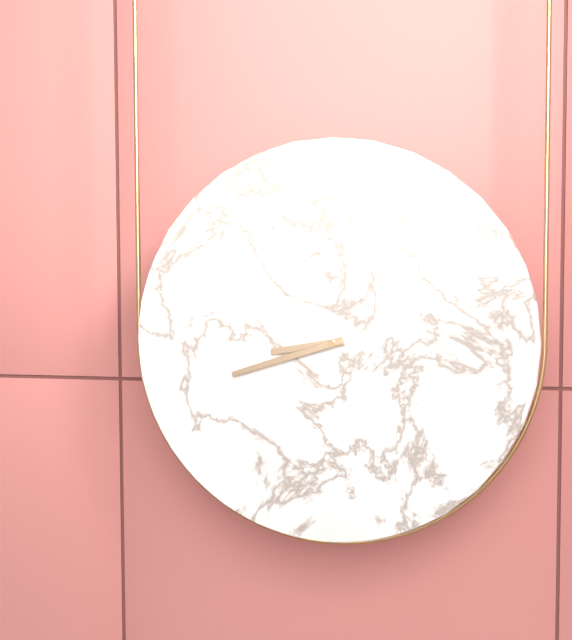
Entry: 8:42
